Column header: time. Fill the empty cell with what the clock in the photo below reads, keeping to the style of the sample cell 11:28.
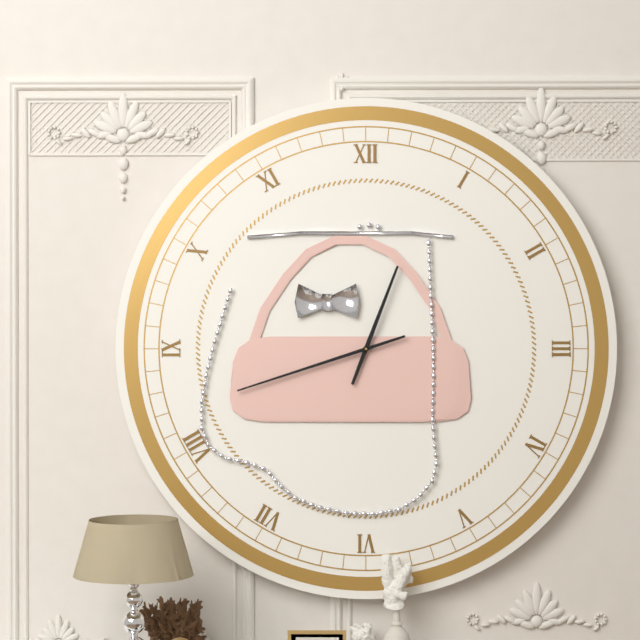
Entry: 12:42
